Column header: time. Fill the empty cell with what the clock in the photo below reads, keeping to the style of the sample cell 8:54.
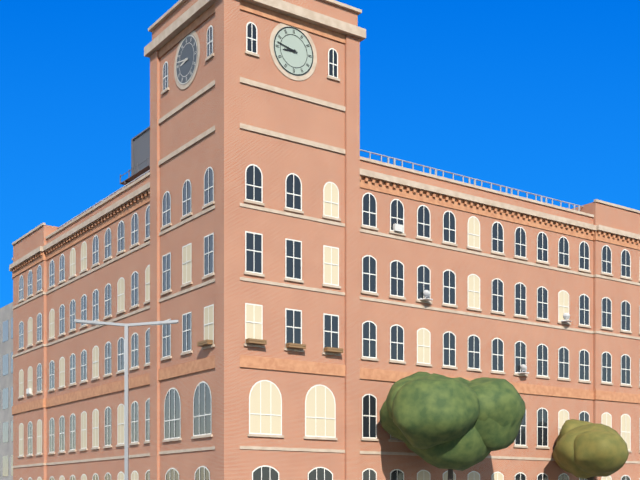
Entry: 8:47
